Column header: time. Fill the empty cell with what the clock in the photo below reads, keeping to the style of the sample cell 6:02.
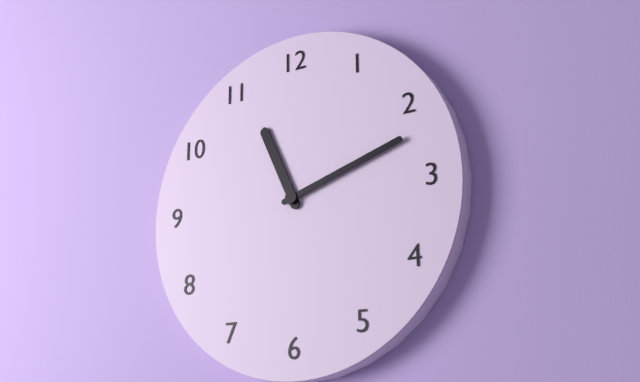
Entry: 11:12
